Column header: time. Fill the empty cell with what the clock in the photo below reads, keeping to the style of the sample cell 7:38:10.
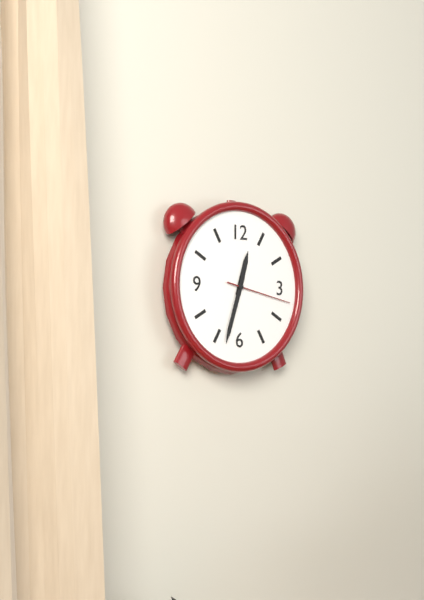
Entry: 12:33:17
